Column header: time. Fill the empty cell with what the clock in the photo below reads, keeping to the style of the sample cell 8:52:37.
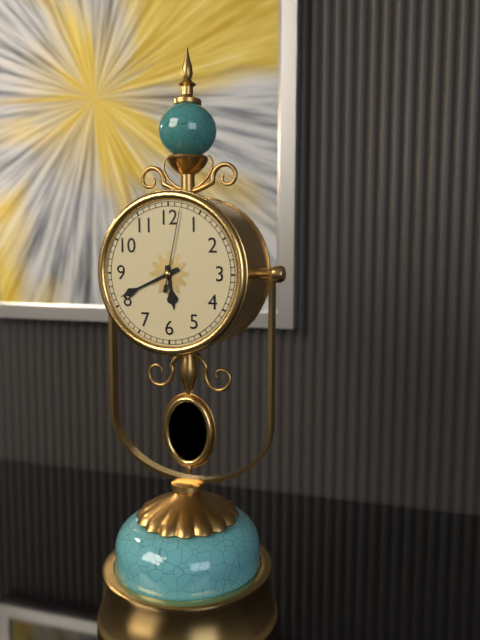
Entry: 5:41:02
